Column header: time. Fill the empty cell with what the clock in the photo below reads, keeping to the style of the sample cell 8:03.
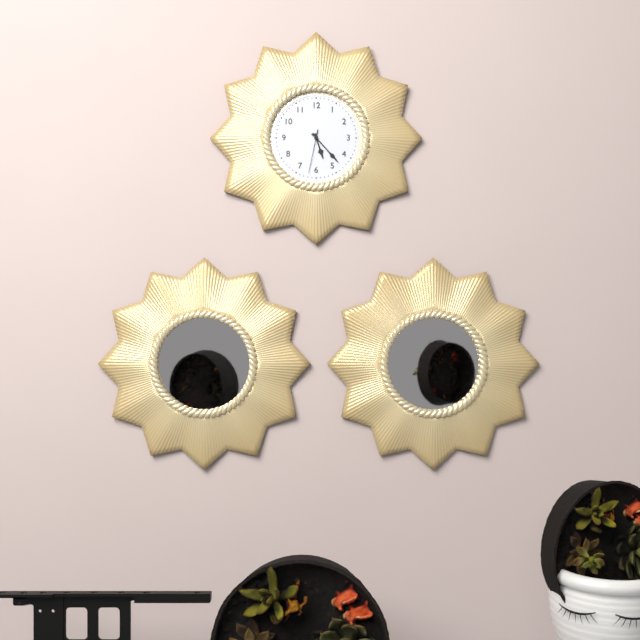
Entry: 5:23
